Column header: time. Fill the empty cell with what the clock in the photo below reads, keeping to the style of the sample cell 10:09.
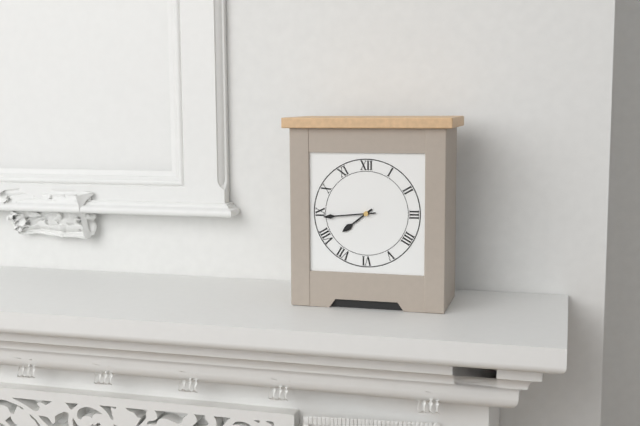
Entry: 7:44
